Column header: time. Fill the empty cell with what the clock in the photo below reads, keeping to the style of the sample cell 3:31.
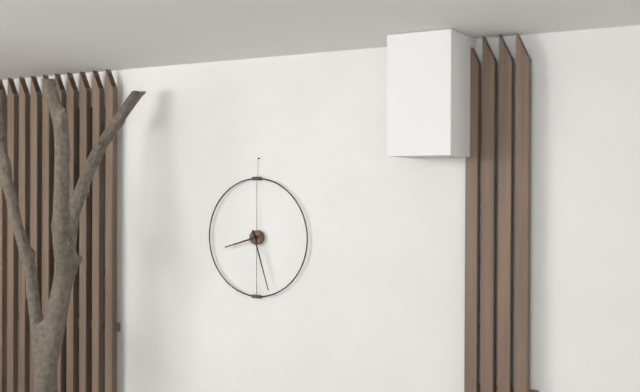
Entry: 8:27
